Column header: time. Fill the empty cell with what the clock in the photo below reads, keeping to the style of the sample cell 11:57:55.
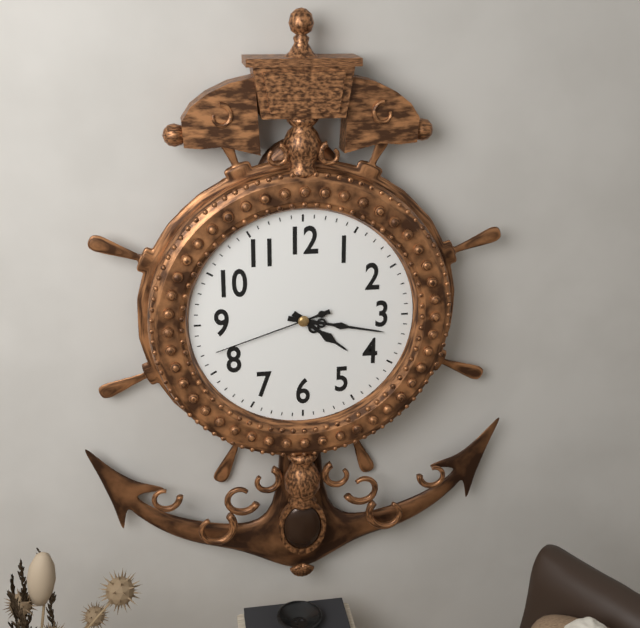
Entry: 4:17:42
